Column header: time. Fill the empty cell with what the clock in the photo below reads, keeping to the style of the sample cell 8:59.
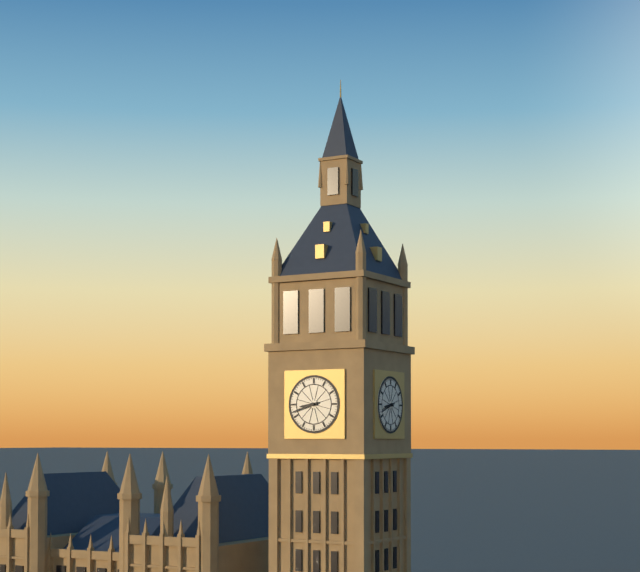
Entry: 8:42
